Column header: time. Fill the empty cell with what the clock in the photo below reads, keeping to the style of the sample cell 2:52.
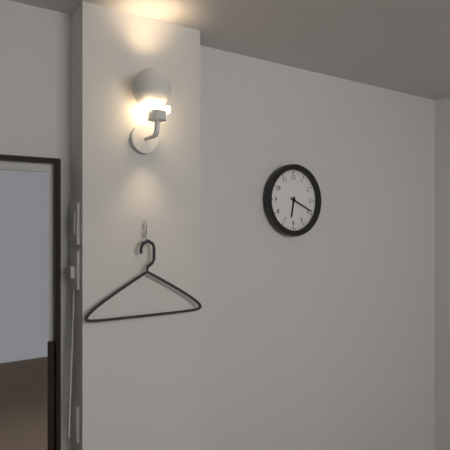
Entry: 6:19
